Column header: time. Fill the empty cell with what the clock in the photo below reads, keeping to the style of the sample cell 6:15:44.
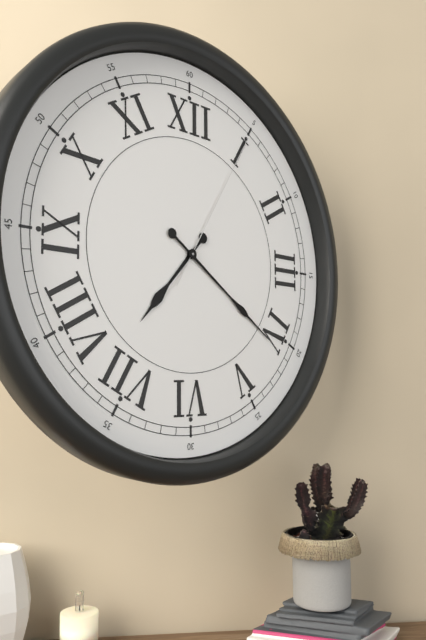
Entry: 7:21:05
